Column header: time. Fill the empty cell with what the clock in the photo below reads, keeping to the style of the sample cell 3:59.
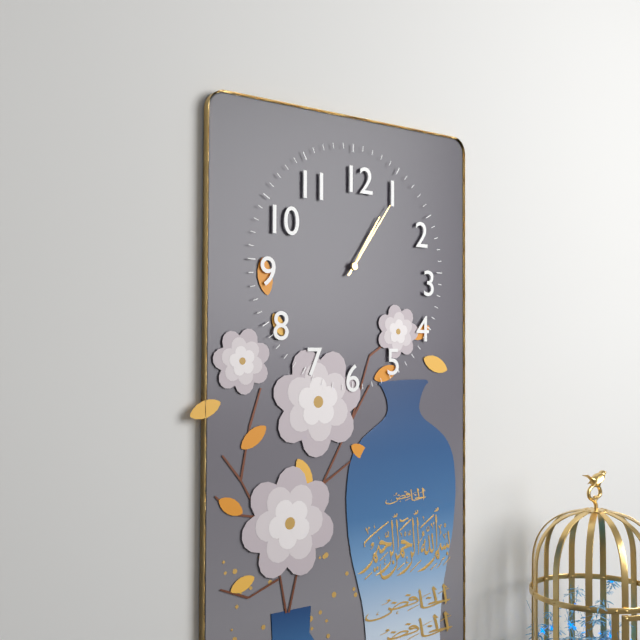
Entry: 1:06
